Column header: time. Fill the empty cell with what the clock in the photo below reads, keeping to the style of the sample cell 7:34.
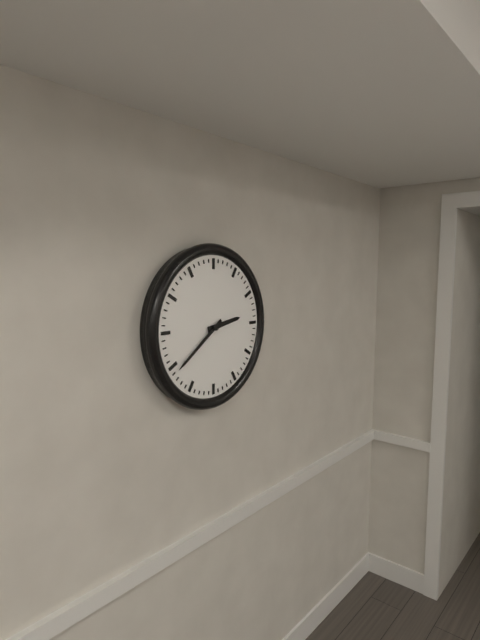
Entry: 2:39
